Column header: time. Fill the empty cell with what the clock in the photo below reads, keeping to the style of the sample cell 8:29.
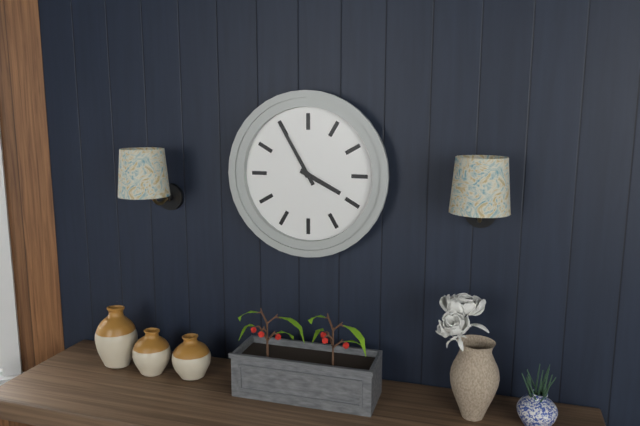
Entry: 3:55
